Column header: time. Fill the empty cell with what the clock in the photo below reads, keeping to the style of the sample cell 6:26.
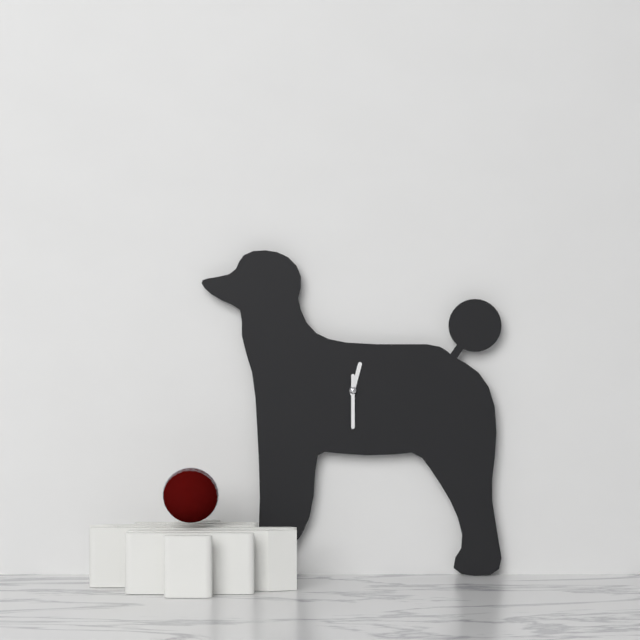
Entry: 12:30
